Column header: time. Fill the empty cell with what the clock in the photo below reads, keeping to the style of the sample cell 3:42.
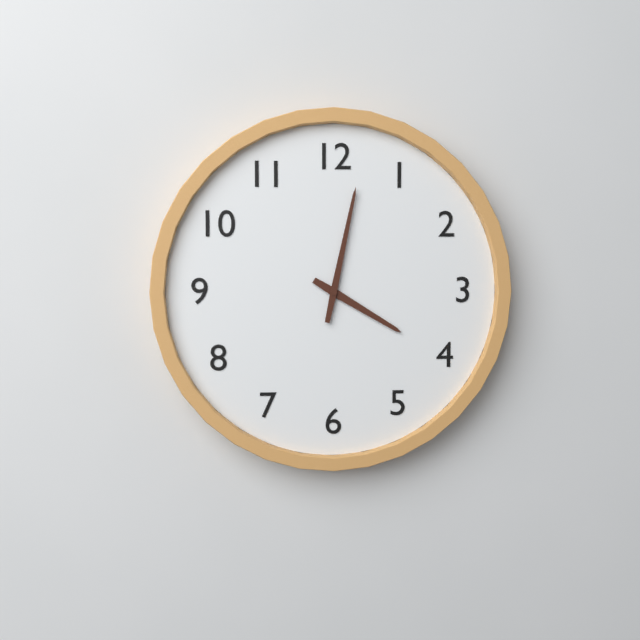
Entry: 4:02
